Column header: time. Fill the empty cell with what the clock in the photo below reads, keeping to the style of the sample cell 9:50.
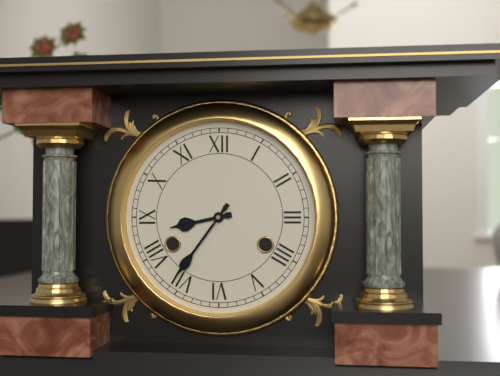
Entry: 8:36
